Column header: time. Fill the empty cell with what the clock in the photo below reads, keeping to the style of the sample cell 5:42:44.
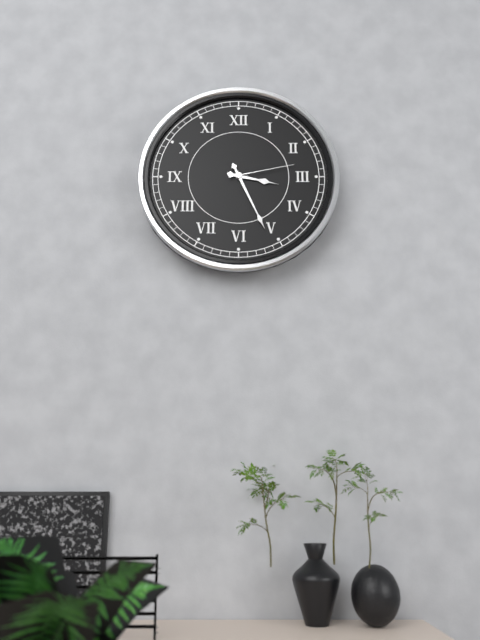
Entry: 3:26:13
